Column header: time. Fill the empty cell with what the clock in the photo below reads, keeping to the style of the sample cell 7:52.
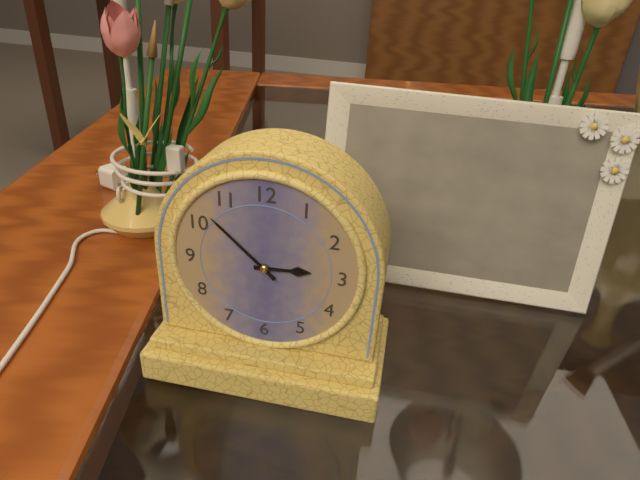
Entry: 2:52
